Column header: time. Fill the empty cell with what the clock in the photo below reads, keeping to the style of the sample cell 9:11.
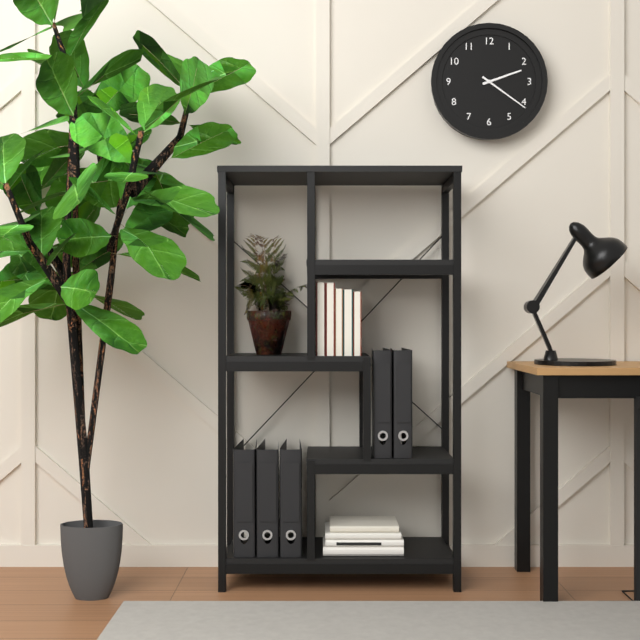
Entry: 2:21
